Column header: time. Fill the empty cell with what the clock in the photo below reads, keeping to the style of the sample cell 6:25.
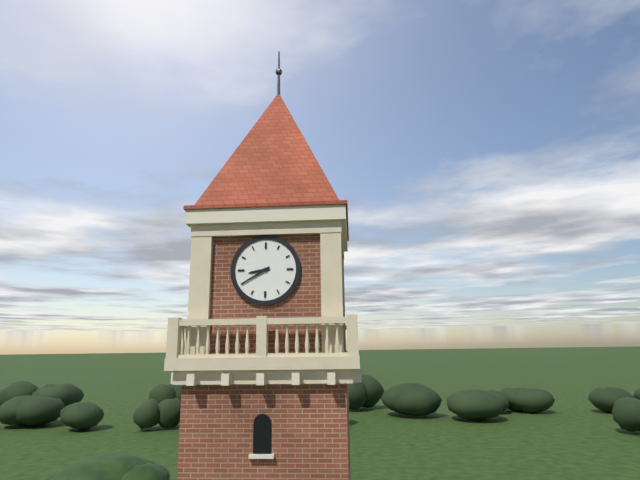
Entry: 8:40
